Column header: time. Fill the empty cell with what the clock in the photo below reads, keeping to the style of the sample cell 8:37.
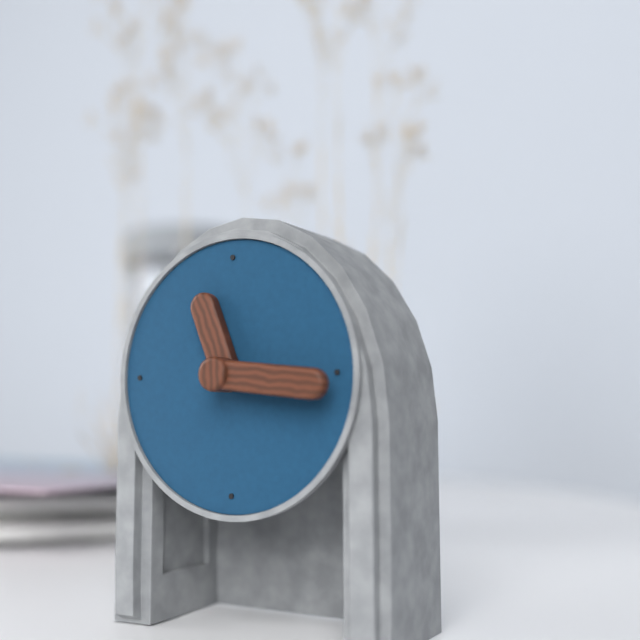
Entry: 11:16
